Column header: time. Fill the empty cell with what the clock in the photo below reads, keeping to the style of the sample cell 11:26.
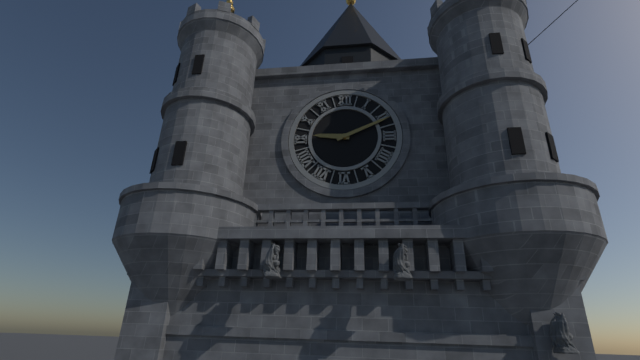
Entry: 9:11
